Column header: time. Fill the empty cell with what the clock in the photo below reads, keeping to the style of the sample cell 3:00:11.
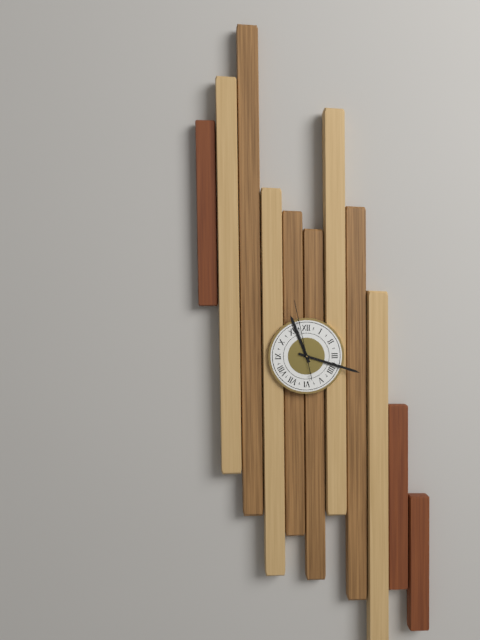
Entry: 11:18:58
